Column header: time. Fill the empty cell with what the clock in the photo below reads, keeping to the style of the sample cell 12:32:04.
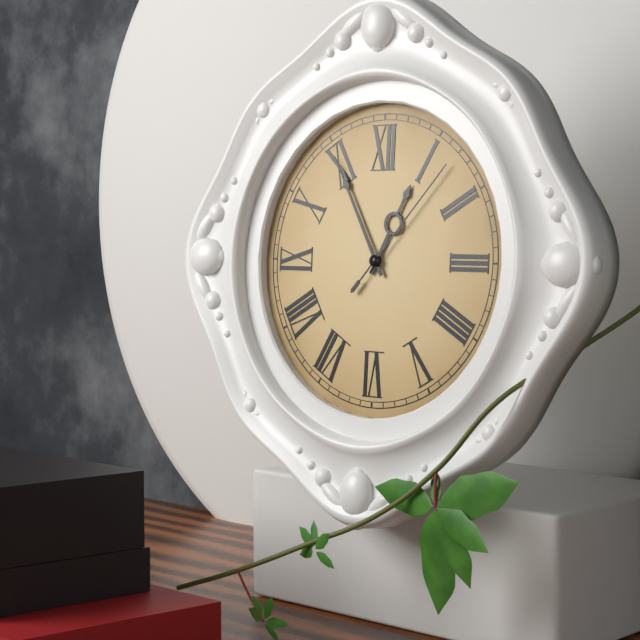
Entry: 12:55:07
